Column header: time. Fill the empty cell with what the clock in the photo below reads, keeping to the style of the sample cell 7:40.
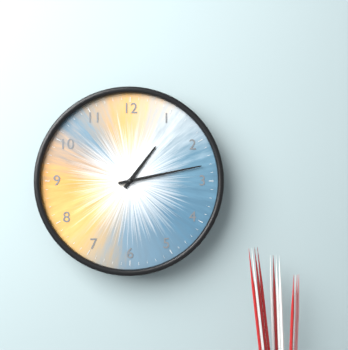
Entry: 1:13
